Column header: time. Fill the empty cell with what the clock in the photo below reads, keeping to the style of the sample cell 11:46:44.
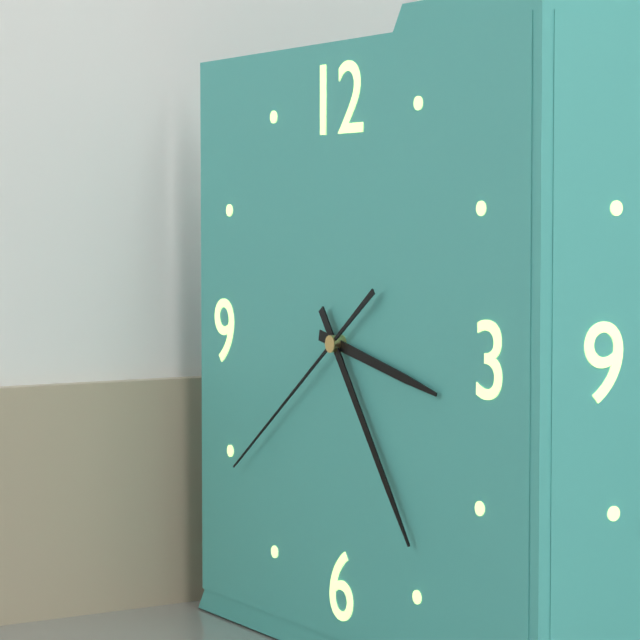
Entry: 3:24:39
